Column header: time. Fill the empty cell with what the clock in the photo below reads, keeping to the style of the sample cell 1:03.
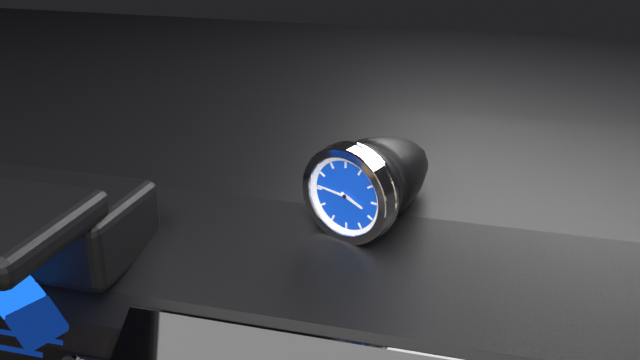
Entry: 3:46
